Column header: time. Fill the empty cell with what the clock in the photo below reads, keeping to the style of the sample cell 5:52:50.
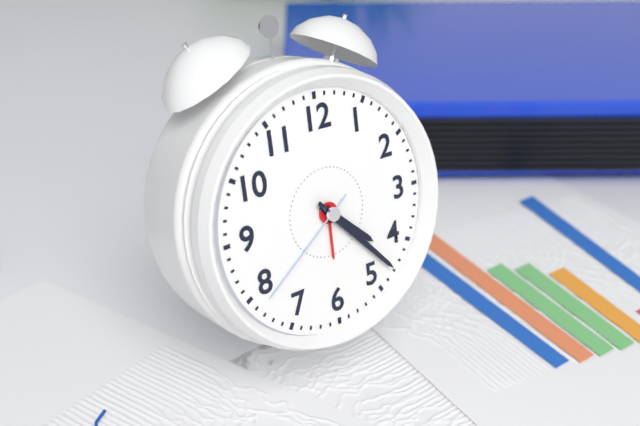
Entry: 4:23:39
